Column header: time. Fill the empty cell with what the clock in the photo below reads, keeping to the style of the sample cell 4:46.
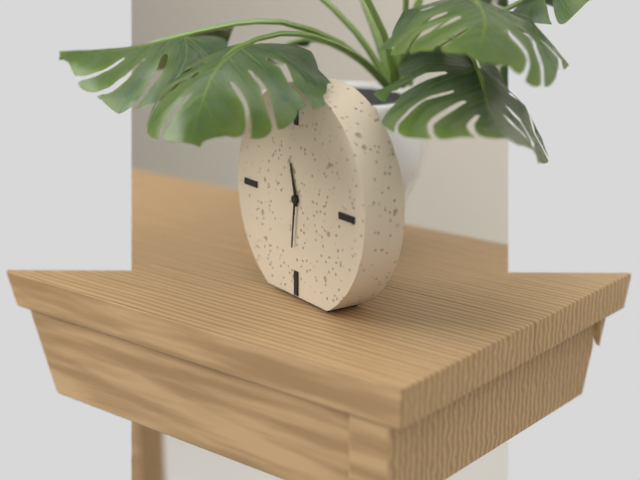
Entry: 11:31
